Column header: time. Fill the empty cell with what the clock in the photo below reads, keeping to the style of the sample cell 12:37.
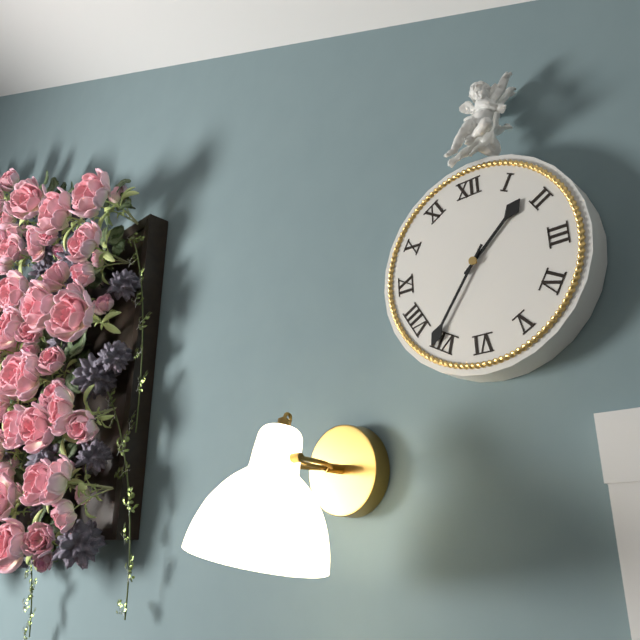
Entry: 1:36
